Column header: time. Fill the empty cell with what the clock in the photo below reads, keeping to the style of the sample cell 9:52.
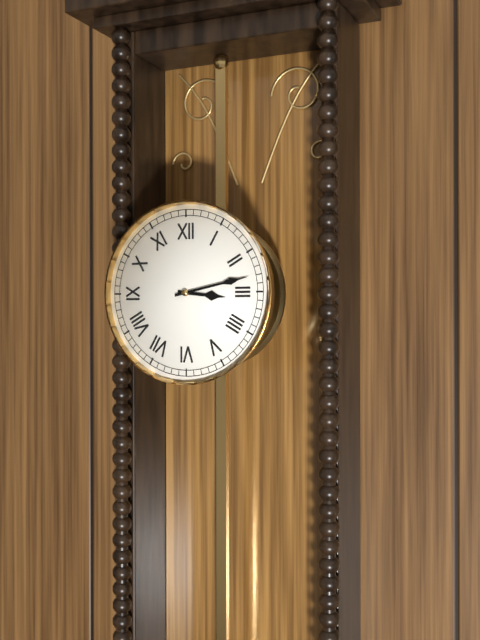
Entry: 3:13
